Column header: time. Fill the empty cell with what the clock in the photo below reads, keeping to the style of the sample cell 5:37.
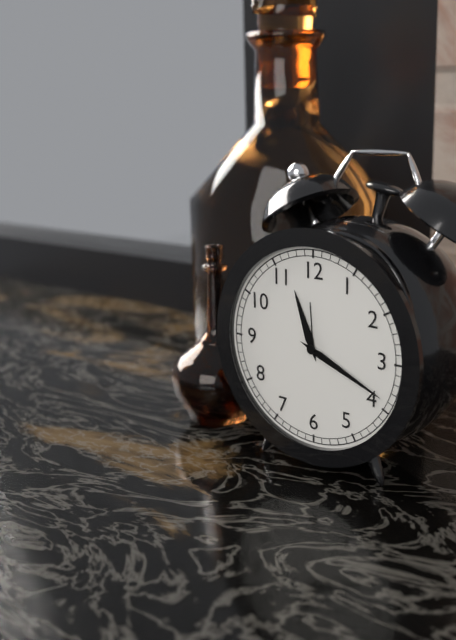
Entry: 11:19
